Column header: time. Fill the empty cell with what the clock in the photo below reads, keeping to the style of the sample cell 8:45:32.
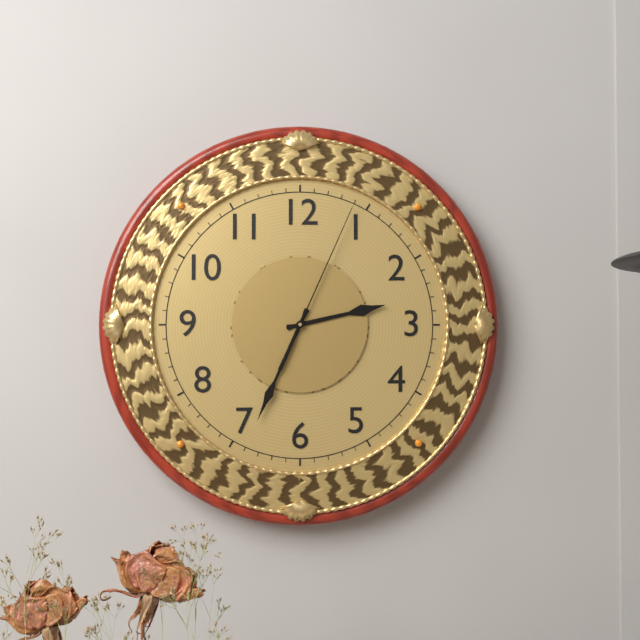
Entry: 2:34:04
